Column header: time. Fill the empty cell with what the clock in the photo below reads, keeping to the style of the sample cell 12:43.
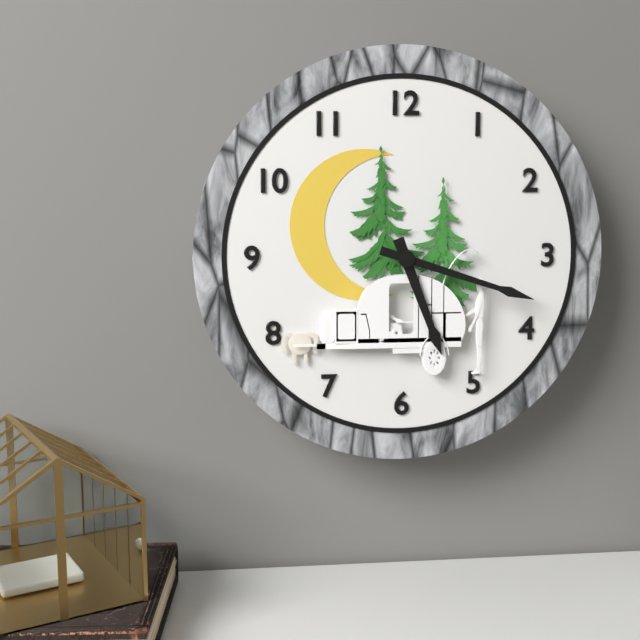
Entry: 5:18
